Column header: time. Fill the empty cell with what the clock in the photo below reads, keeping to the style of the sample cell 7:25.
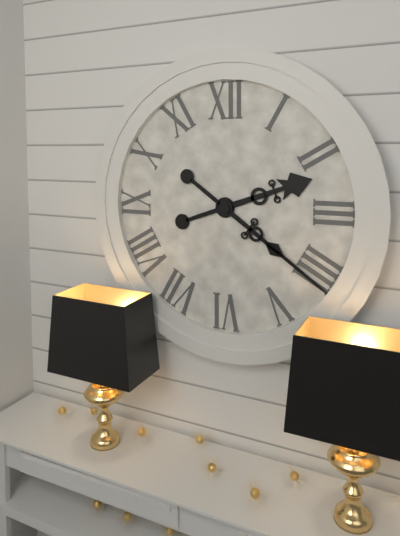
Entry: 2:21
